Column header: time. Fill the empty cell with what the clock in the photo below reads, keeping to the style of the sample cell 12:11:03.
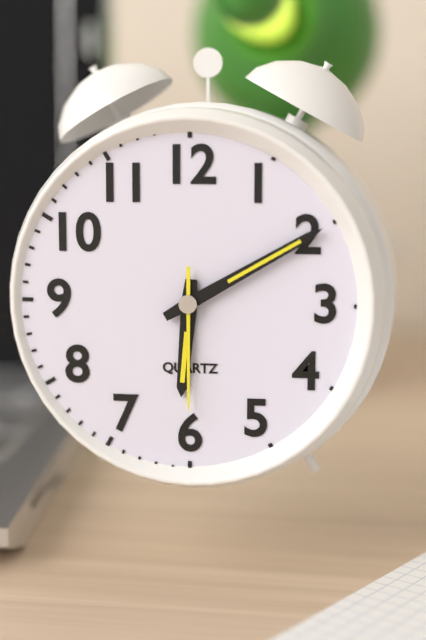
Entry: 6:10:30
